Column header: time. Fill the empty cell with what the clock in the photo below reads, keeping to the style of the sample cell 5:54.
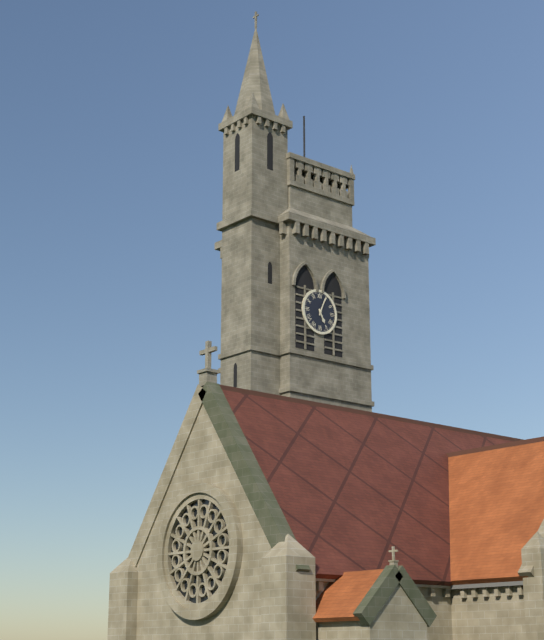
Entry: 5:04
